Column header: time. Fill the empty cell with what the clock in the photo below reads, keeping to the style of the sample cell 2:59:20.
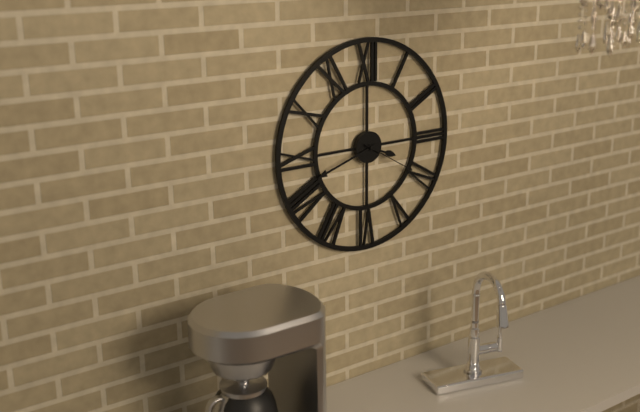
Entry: 3:42:20
